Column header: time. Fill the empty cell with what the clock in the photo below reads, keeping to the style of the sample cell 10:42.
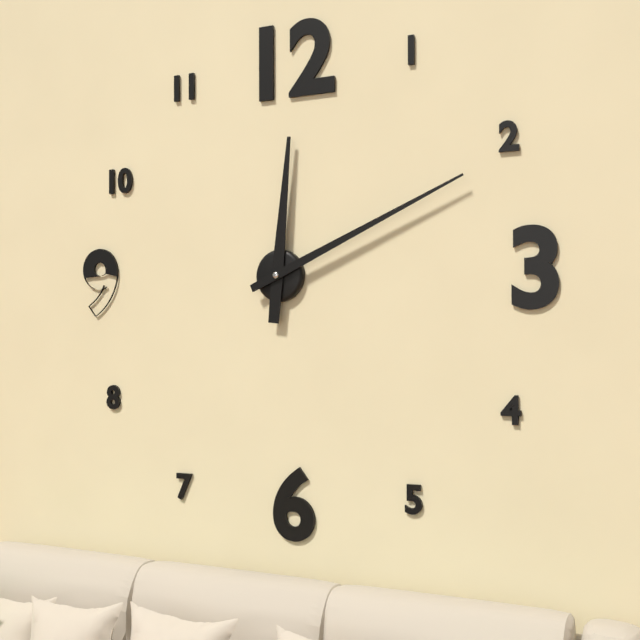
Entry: 12:11
